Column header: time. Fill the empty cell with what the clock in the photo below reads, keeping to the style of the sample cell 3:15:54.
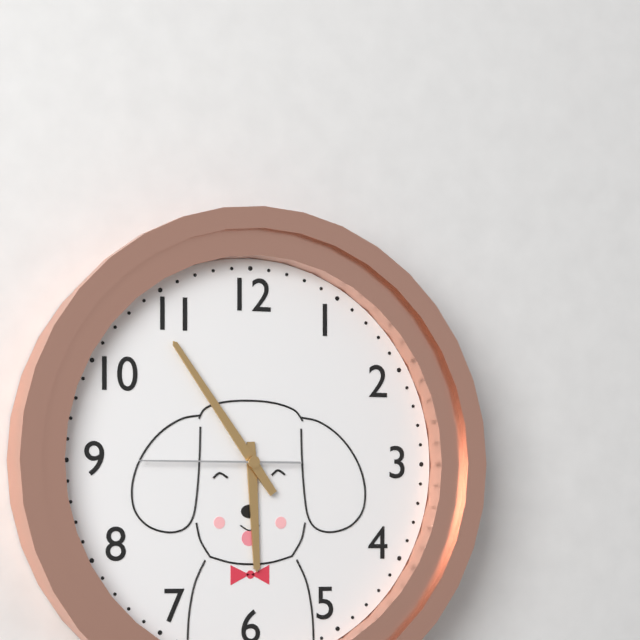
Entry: 5:54:45
